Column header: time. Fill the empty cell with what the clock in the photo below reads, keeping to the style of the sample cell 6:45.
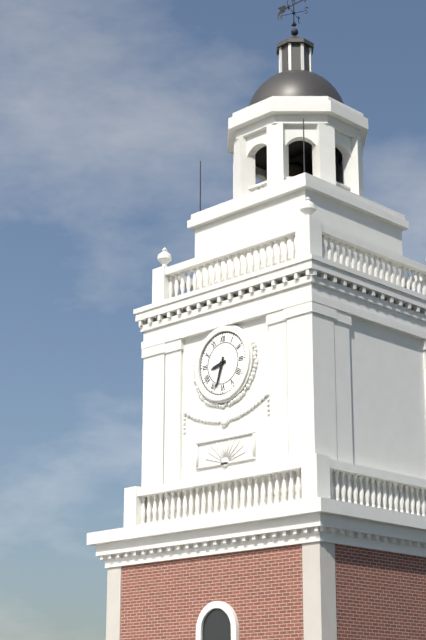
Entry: 8:33
